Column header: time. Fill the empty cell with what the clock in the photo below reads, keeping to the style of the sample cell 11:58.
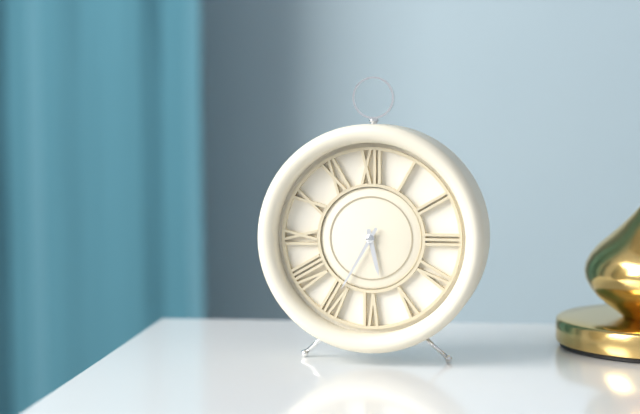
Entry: 5:35
